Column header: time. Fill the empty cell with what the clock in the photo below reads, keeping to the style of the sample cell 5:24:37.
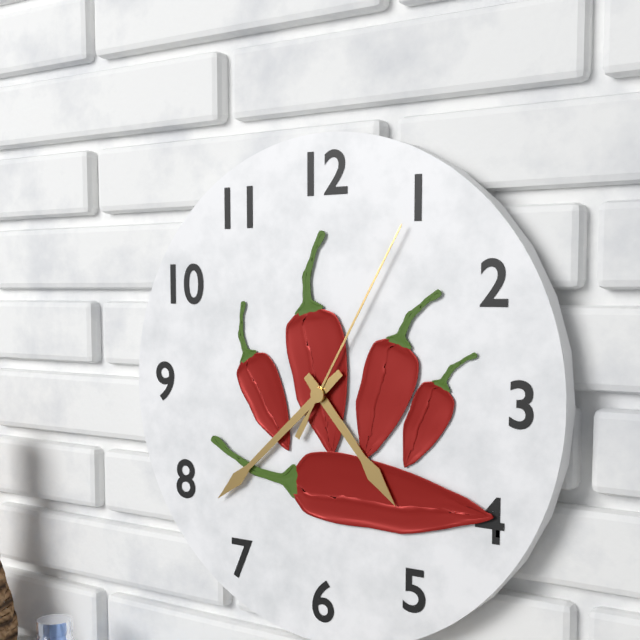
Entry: 4:38:05
